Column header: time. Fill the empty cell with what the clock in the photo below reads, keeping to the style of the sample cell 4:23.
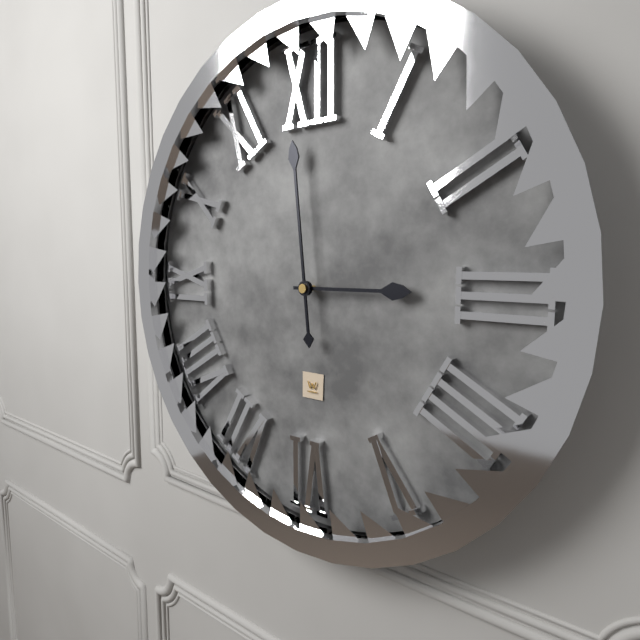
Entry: 2:59
